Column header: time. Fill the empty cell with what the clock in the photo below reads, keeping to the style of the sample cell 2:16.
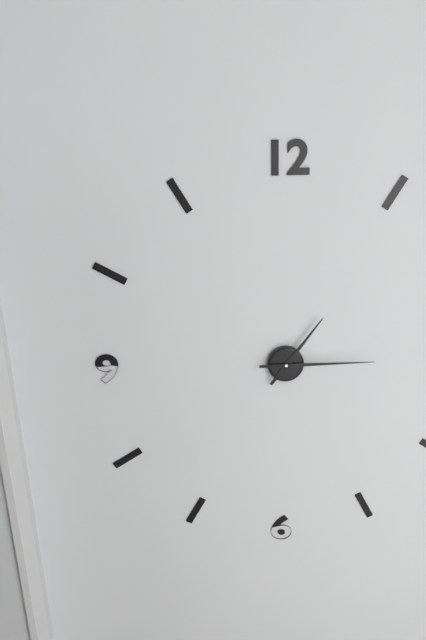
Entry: 1:15
